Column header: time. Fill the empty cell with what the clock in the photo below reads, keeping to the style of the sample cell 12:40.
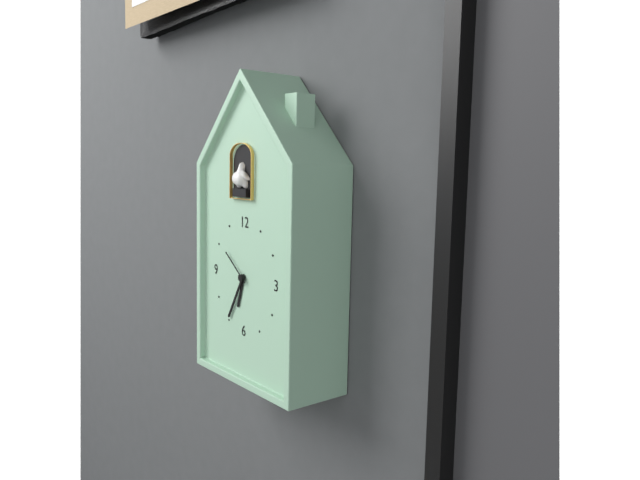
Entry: 6:35
